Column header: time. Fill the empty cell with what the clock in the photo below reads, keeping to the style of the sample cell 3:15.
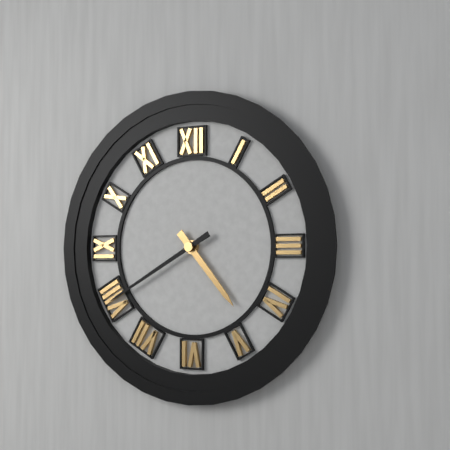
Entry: 4:40
